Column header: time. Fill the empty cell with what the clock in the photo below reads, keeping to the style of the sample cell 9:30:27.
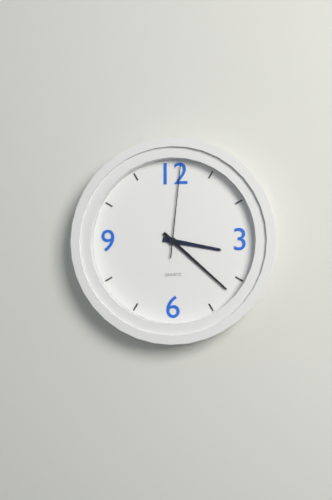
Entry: 3:22:01
